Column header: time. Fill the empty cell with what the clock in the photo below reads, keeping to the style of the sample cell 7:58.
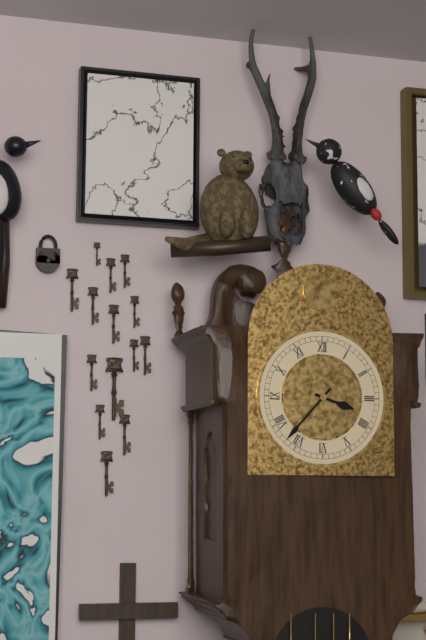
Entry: 3:37
